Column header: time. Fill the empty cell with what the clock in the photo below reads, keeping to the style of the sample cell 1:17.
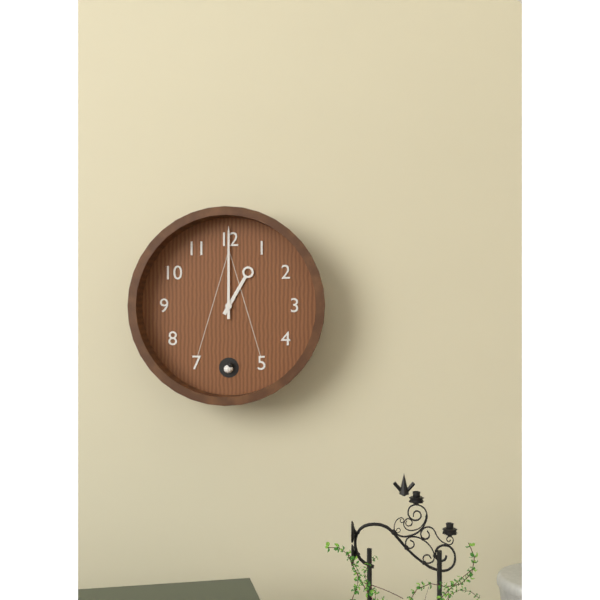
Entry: 1:00
